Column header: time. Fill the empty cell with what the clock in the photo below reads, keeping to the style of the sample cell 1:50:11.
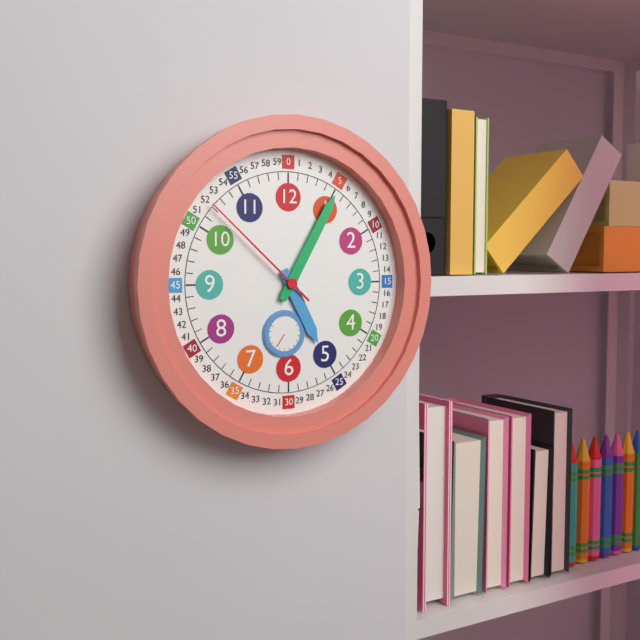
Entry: 5:05:52
